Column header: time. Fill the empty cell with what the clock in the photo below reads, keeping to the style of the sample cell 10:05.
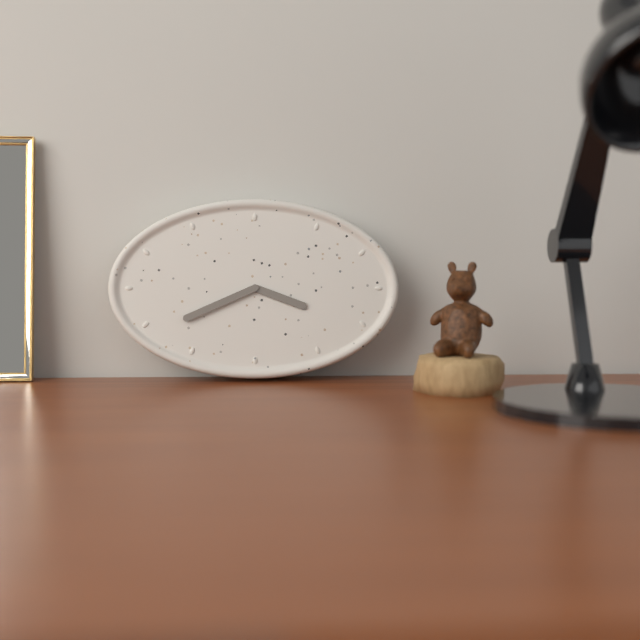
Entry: 3:41
